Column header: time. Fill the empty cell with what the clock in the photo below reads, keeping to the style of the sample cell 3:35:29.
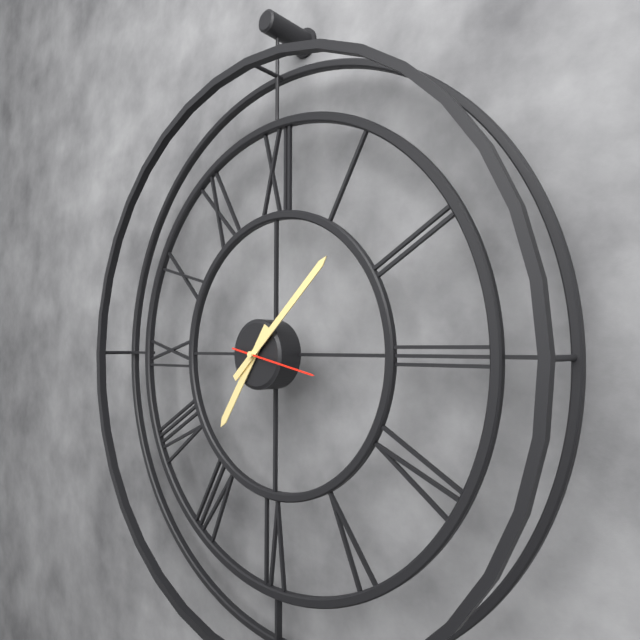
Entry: 7:08:17
